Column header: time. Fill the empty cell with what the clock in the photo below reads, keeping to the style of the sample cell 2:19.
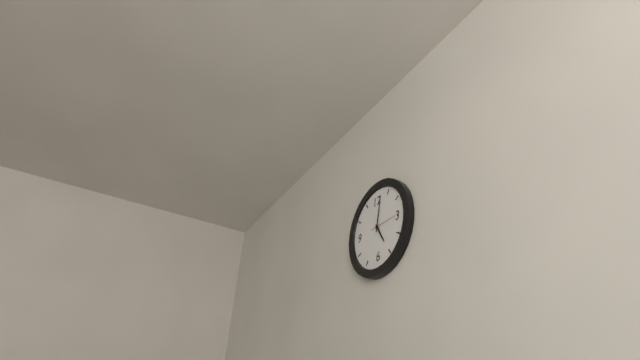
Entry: 5:02
